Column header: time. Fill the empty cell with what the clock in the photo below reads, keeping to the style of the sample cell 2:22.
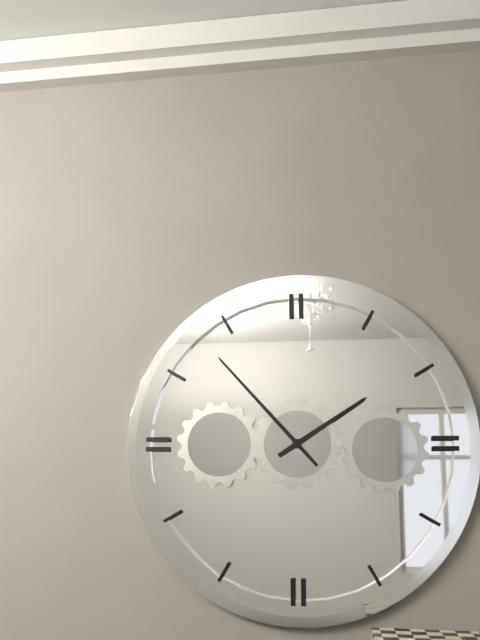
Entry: 1:53
